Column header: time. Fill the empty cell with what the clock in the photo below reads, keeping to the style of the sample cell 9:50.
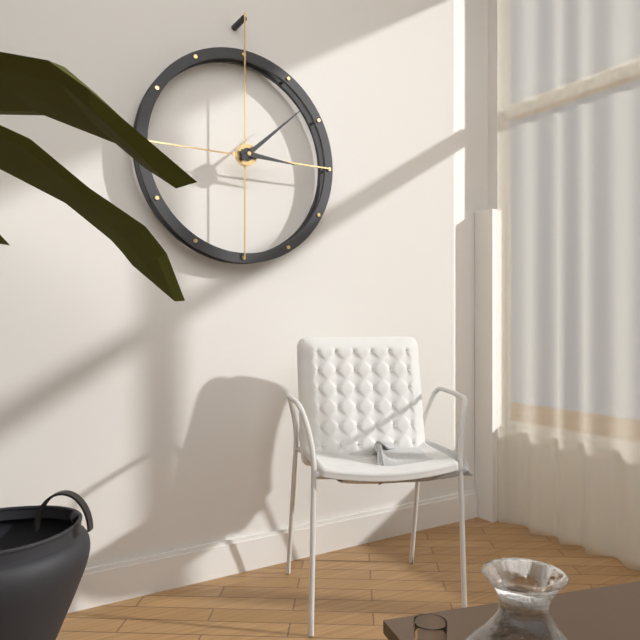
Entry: 3:08
